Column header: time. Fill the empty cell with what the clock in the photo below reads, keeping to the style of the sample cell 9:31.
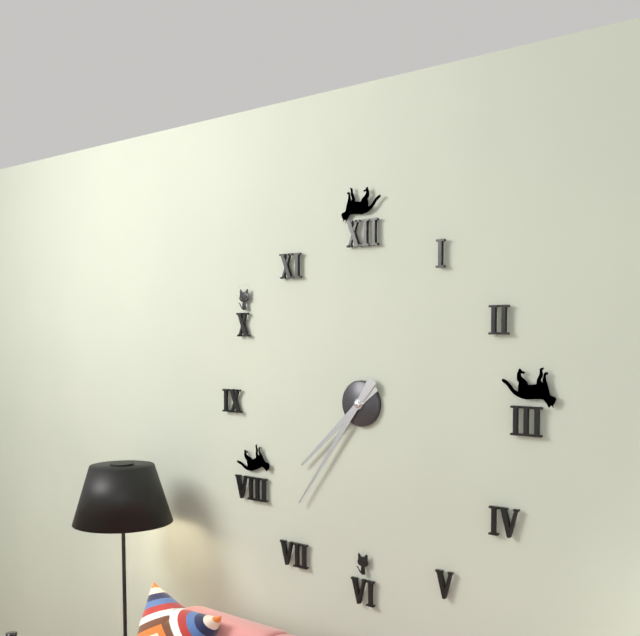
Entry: 7:36
